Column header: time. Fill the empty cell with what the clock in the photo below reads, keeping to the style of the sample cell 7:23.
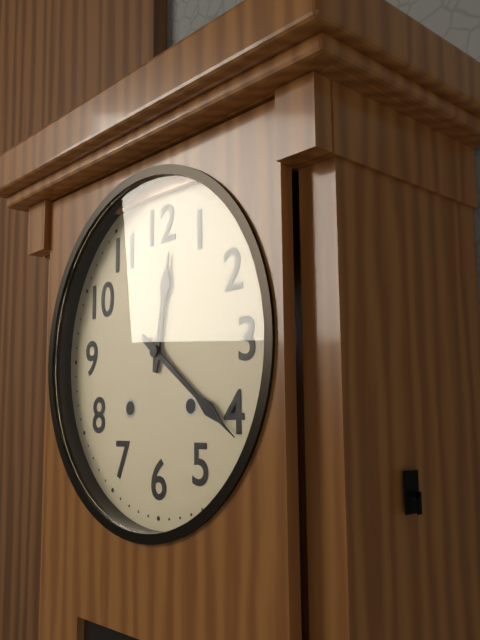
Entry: 12:21
